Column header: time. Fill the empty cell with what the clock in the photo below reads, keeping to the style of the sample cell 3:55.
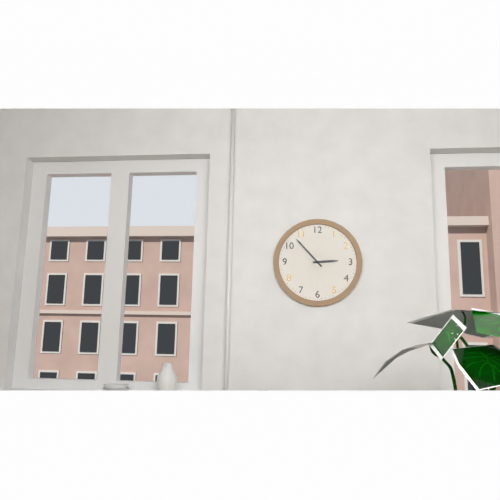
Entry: 2:53
